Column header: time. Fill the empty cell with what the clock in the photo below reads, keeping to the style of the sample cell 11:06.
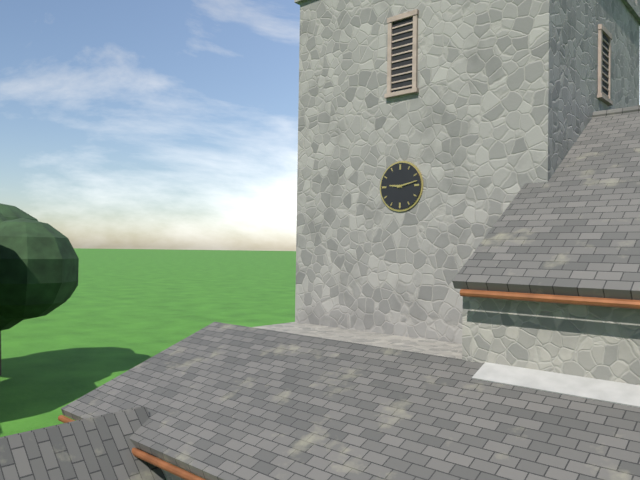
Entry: 9:13
